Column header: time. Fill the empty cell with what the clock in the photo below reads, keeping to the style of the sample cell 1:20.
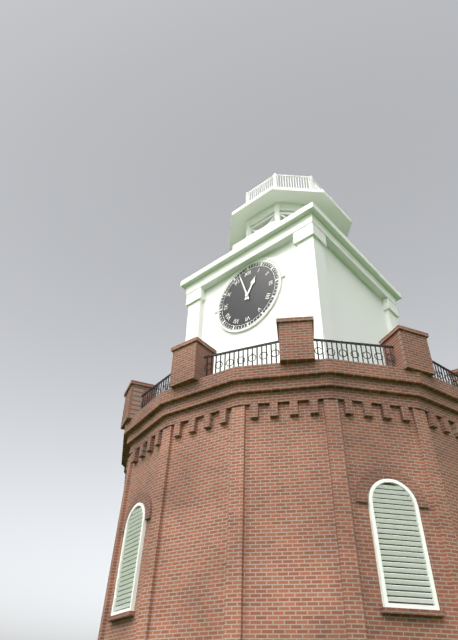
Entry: 12:57
